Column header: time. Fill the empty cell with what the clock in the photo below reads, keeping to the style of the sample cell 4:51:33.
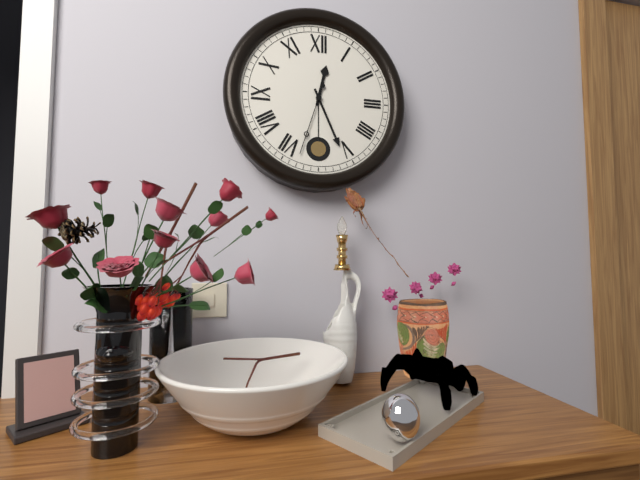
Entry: 12:26:33
